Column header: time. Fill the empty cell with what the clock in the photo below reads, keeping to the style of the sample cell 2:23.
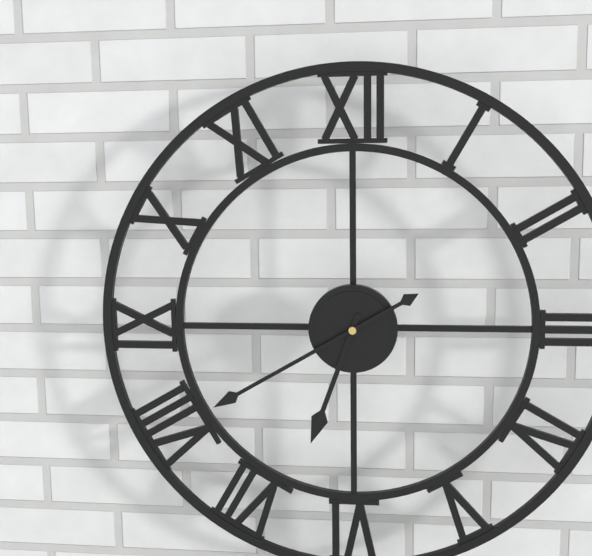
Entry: 6:40
